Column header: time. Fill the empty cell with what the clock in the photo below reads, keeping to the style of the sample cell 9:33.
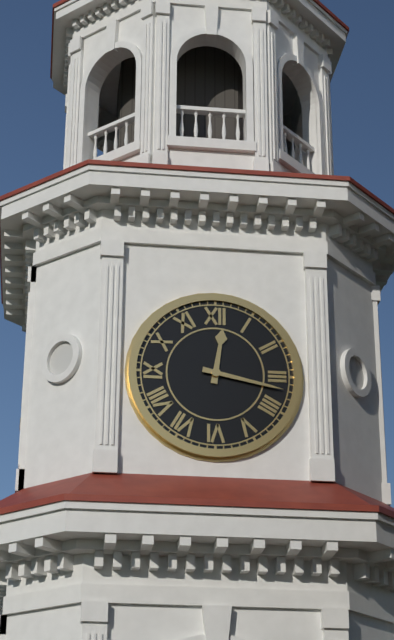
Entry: 12:17
